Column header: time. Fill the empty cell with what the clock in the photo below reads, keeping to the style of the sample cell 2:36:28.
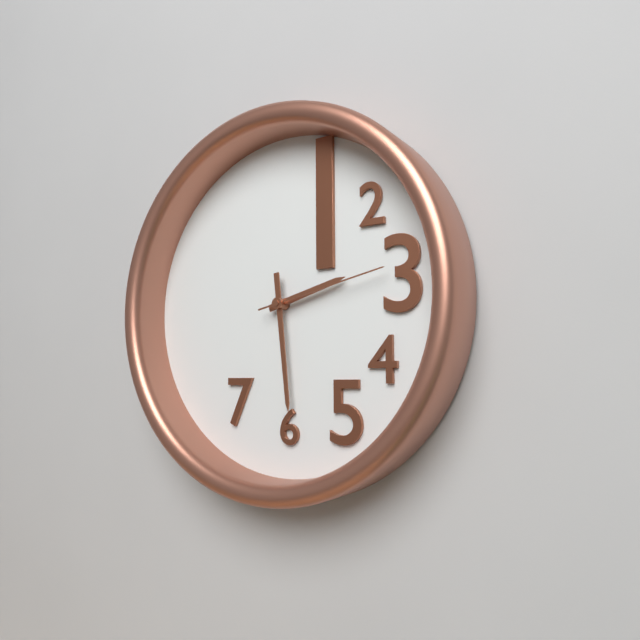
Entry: 2:29:13
